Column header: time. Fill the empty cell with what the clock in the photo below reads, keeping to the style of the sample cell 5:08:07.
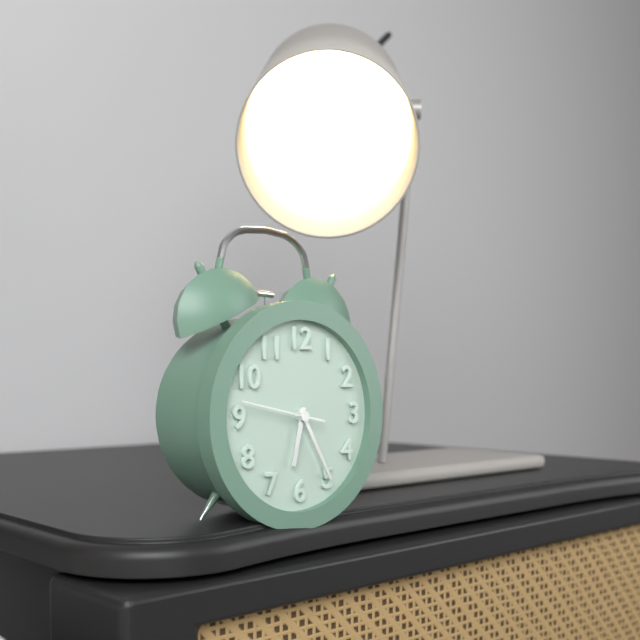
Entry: 6:25:47
